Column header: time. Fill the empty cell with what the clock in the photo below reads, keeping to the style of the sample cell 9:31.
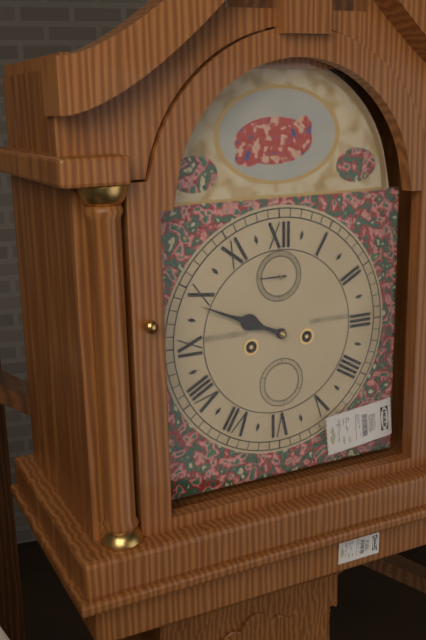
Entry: 9:49
